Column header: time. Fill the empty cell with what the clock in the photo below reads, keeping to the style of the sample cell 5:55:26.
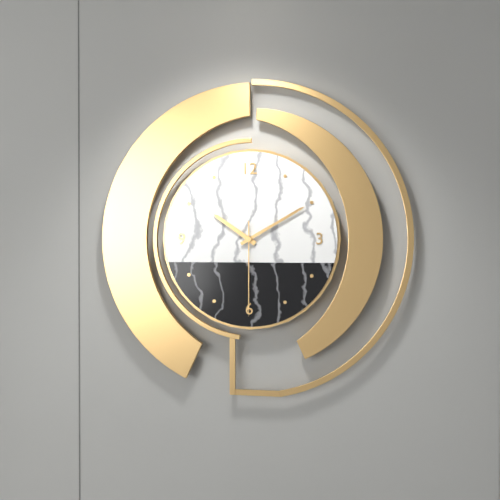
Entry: 10:10:30
